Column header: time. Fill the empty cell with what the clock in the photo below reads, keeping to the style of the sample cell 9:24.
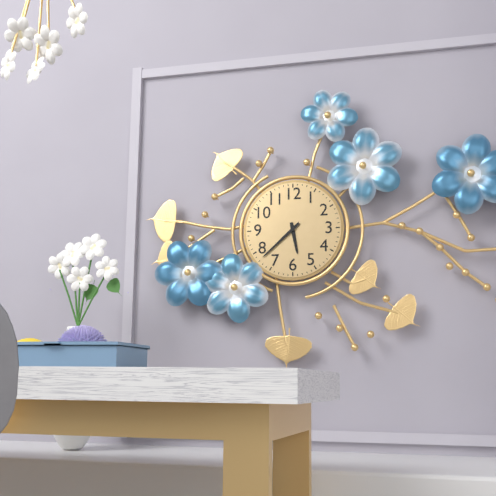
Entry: 5:38
